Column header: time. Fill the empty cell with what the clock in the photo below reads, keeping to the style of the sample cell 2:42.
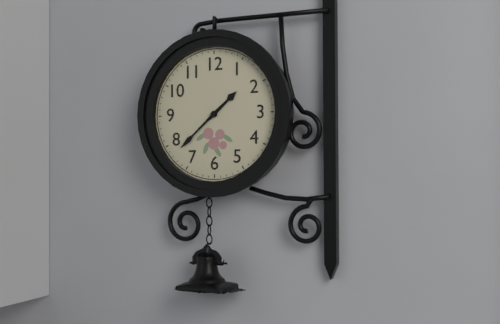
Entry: 1:38
